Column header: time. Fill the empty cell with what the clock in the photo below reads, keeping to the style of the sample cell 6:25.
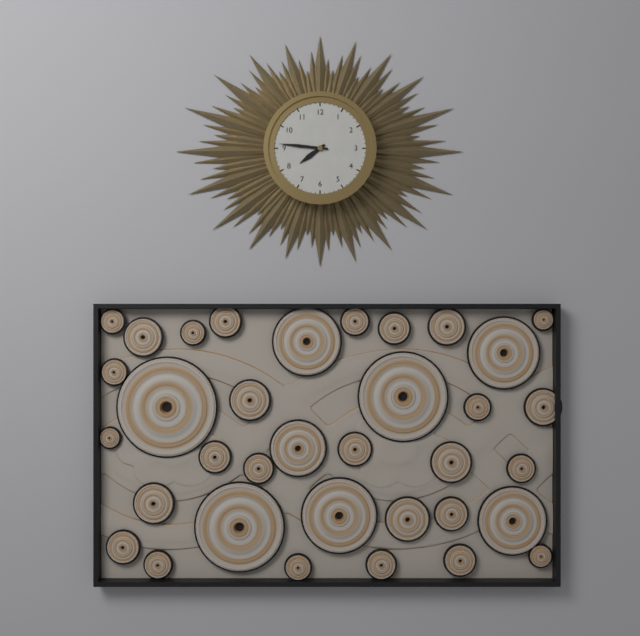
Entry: 7:46
